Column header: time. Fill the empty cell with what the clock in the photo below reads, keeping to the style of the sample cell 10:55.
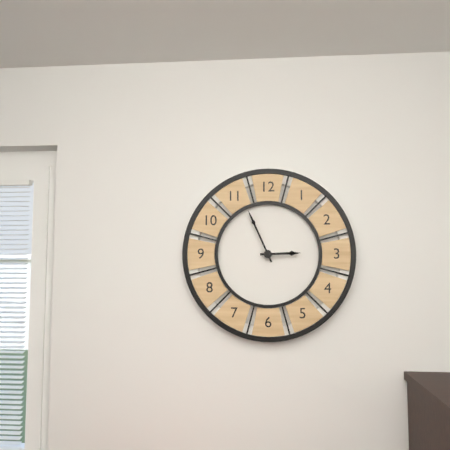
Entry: 2:56
